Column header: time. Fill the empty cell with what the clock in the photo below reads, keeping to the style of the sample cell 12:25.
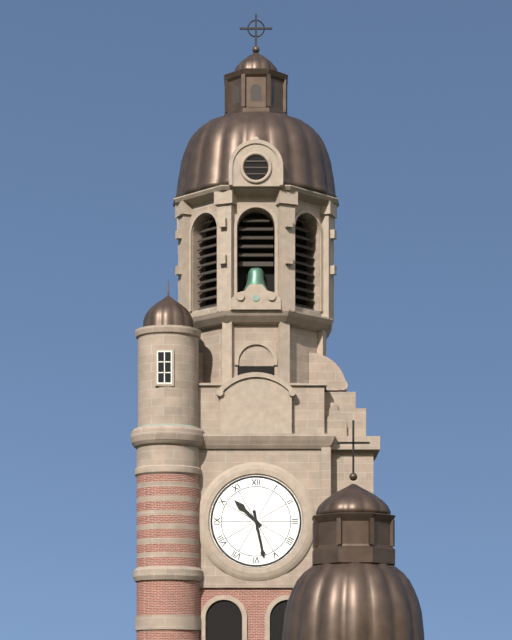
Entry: 10:28
